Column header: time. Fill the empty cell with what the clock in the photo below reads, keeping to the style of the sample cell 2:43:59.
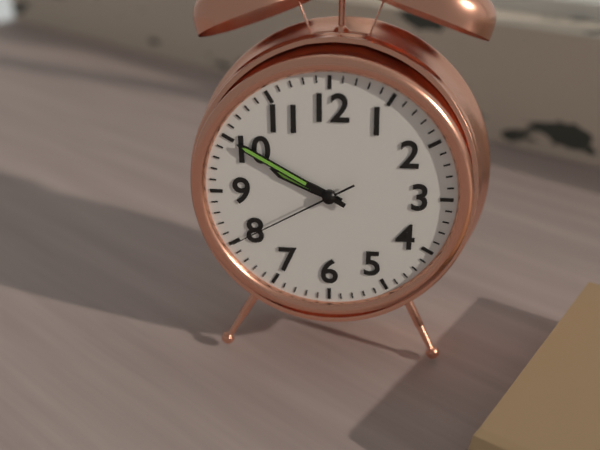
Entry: 9:50:40
